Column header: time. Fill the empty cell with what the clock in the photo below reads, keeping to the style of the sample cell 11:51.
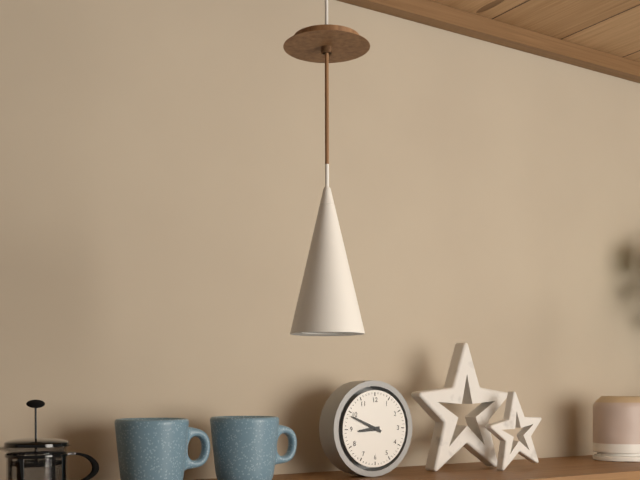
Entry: 8:49
